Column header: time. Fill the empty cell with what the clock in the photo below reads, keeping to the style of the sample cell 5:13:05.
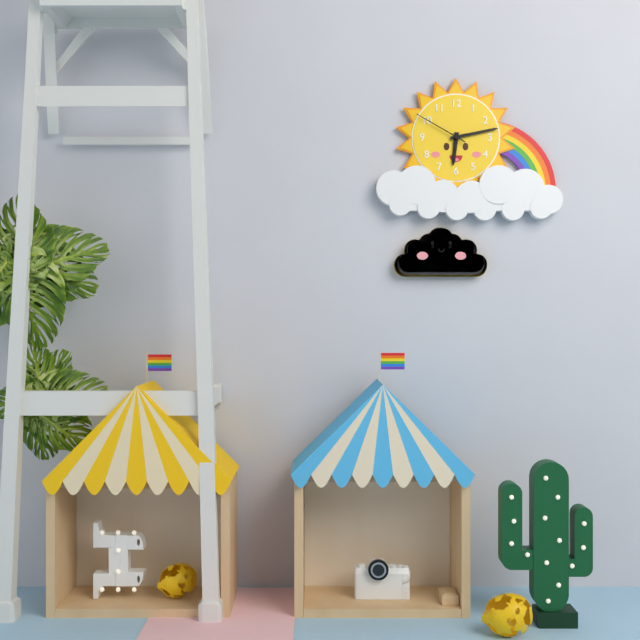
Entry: 6:13:50
